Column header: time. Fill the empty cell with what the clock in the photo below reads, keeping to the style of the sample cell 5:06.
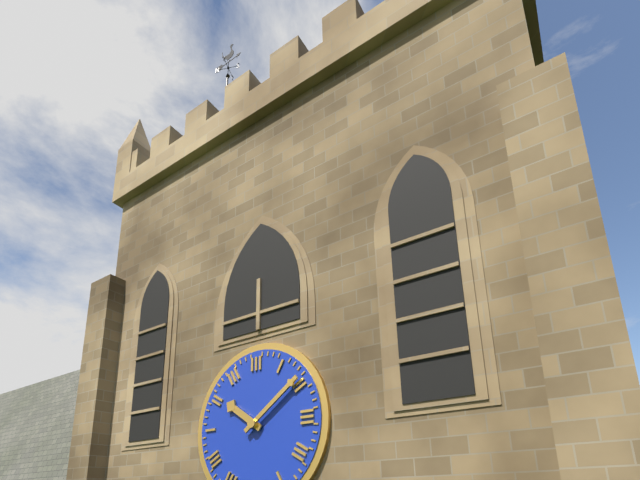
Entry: 10:09
